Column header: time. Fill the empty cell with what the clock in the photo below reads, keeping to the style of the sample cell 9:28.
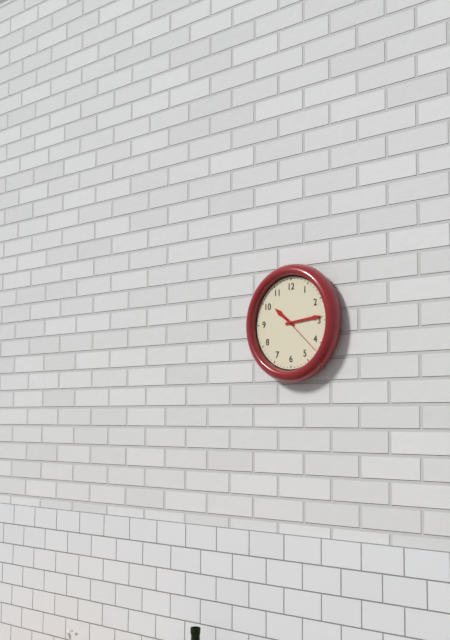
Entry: 10:14
